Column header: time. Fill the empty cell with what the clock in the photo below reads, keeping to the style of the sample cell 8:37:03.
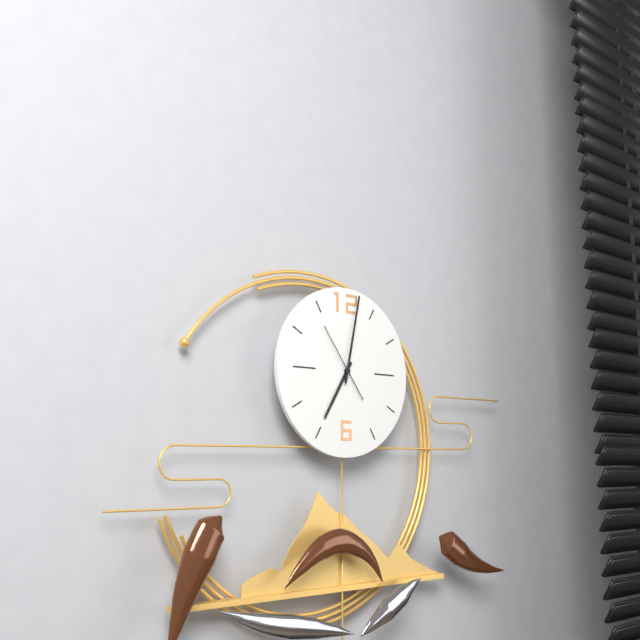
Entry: 7:02:54
